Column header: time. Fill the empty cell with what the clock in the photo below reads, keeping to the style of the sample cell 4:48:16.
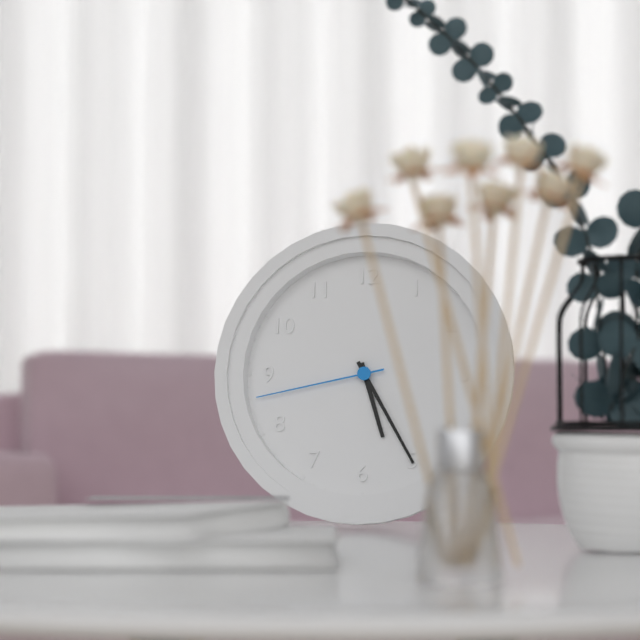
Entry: 5:25:43
